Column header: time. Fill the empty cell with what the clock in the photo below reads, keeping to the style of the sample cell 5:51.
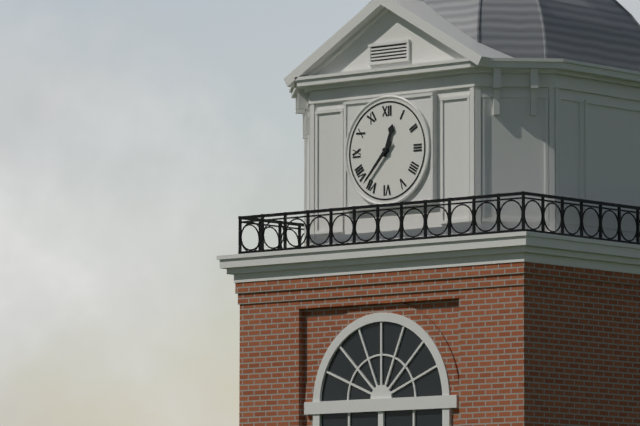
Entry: 12:37
